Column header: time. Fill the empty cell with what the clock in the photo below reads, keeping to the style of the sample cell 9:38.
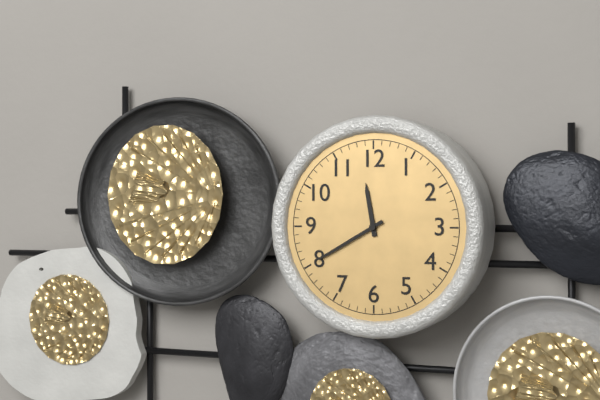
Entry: 11:40
